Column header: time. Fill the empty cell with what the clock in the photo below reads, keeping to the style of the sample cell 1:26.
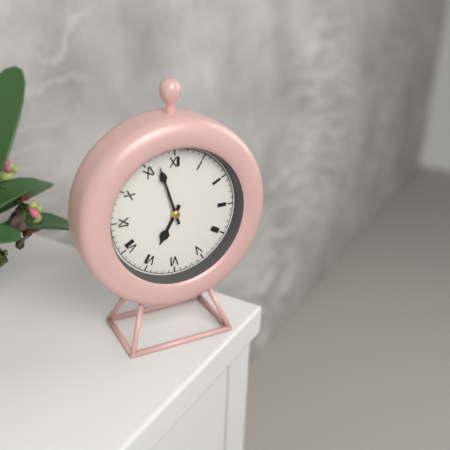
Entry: 6:57
